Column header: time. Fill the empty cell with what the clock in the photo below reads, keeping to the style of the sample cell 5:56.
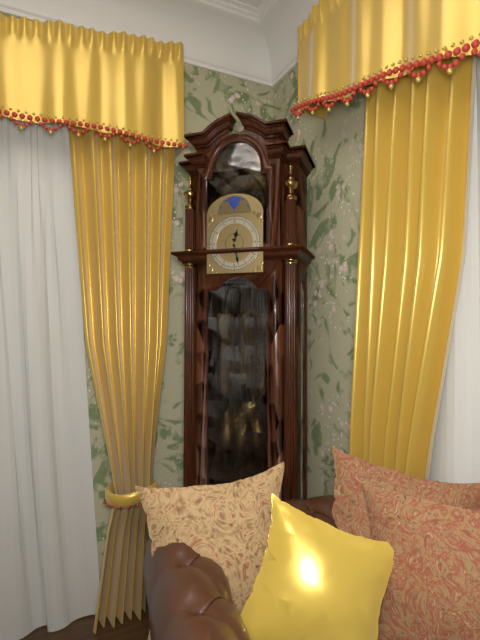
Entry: 12:28
